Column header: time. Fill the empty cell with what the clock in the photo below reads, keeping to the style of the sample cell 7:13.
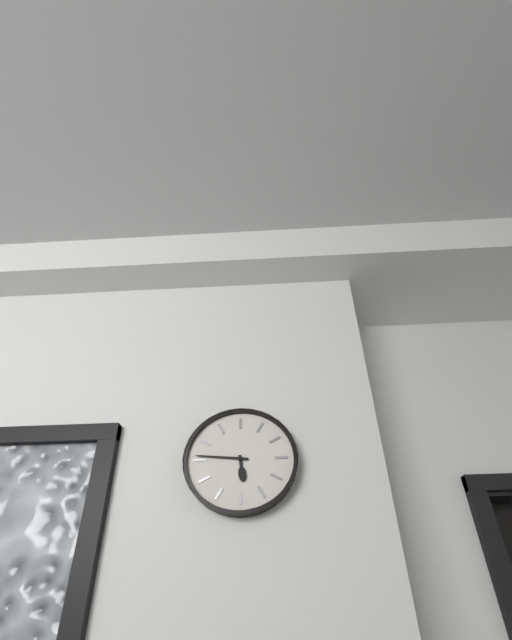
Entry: 5:46
